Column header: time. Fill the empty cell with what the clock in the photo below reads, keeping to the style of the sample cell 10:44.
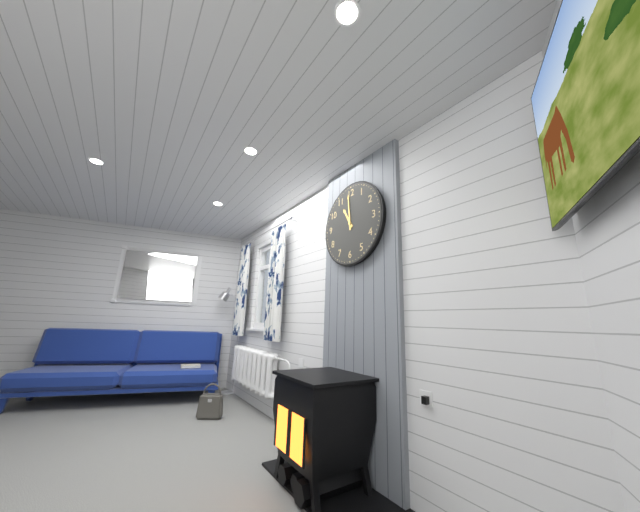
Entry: 10:59
